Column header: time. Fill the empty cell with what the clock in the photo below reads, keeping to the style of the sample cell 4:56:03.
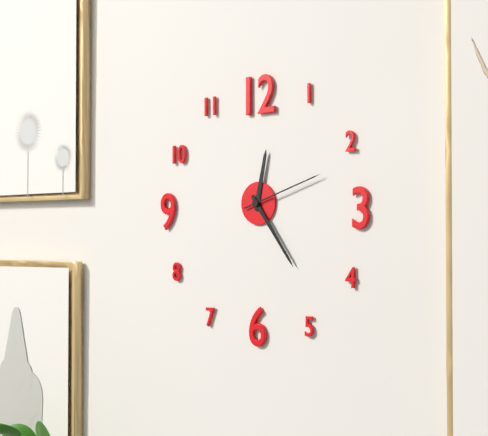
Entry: 12:24:12
